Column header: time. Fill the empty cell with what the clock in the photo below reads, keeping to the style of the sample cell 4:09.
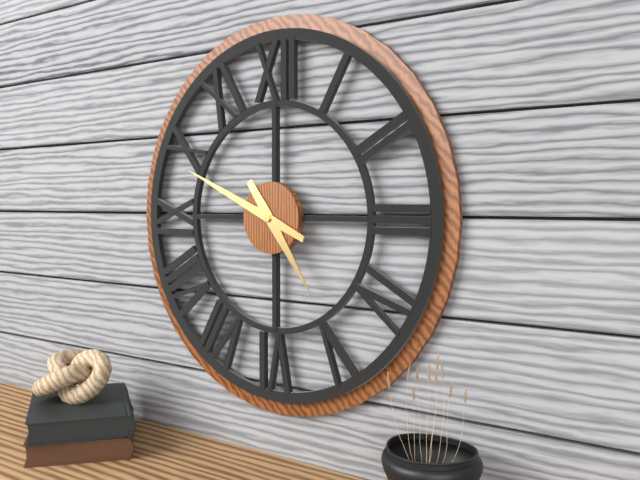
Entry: 4:49
